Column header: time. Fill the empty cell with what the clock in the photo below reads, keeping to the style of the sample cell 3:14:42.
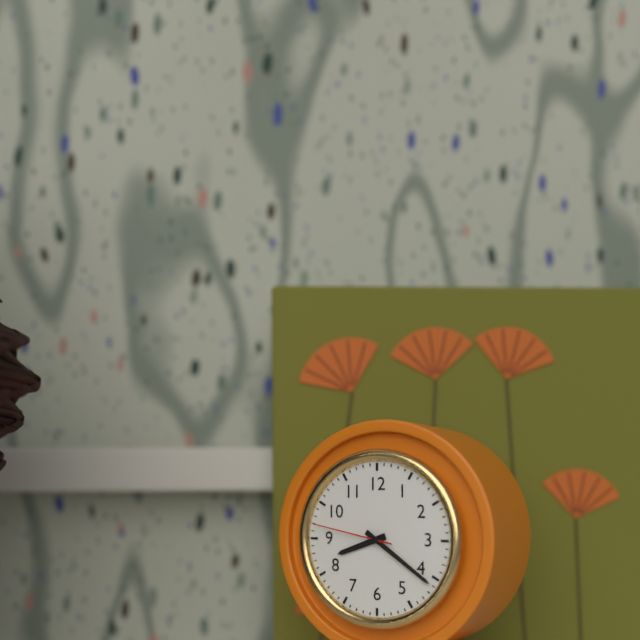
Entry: 8:21:47
